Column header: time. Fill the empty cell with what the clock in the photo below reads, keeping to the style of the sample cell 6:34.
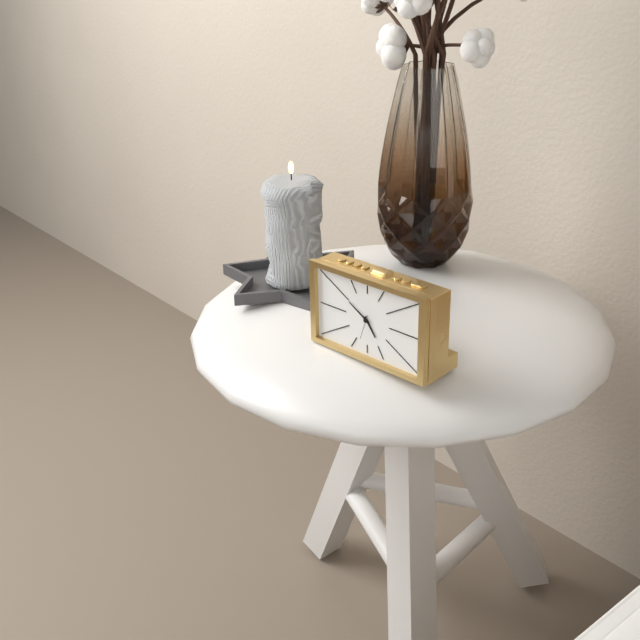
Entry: 4:50
